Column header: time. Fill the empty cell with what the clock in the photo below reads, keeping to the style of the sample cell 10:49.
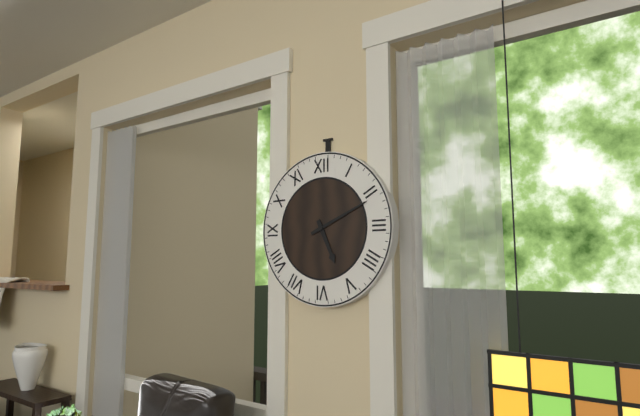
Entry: 5:11
